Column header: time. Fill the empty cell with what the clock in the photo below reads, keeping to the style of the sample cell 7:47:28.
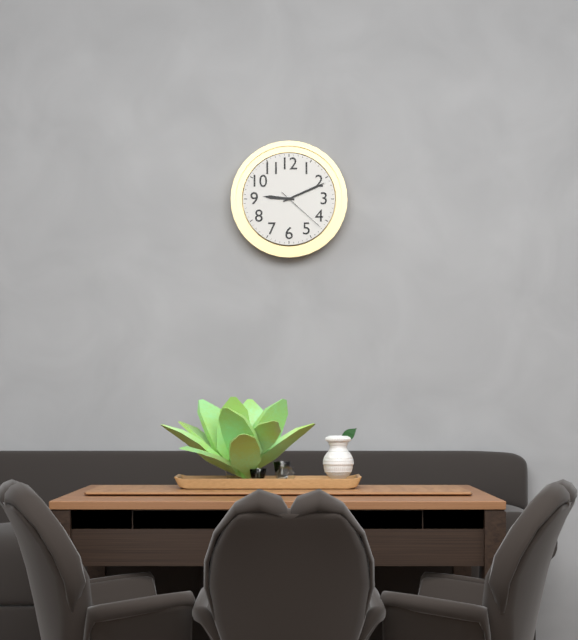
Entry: 9:11:22
